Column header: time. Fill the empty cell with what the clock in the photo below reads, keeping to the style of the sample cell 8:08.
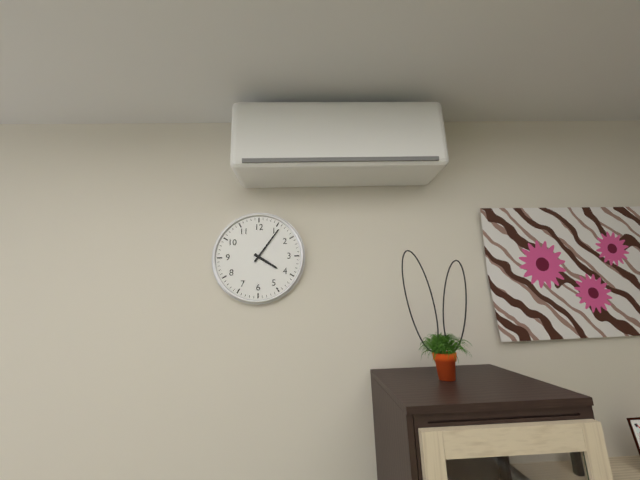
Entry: 4:06
